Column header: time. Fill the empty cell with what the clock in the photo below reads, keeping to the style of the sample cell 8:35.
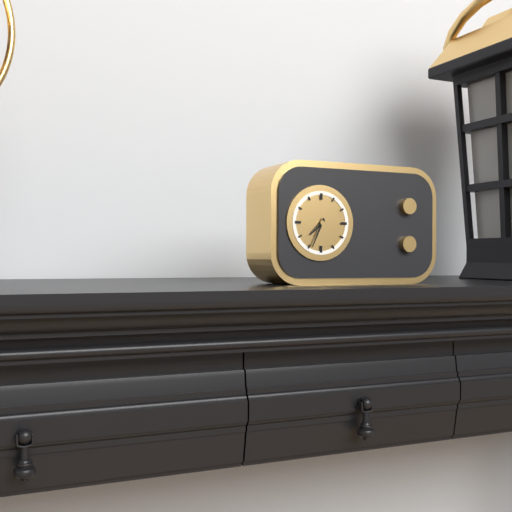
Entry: 7:34
